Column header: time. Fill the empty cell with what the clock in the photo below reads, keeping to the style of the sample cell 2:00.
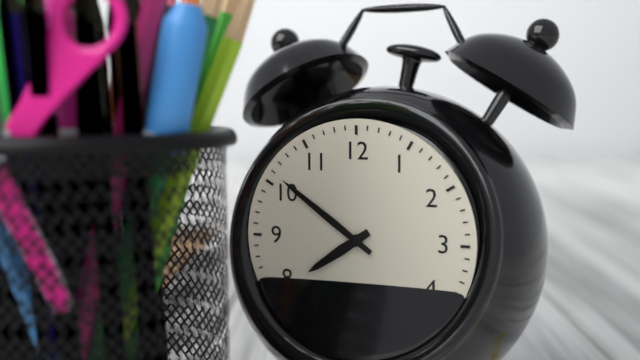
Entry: 7:51
